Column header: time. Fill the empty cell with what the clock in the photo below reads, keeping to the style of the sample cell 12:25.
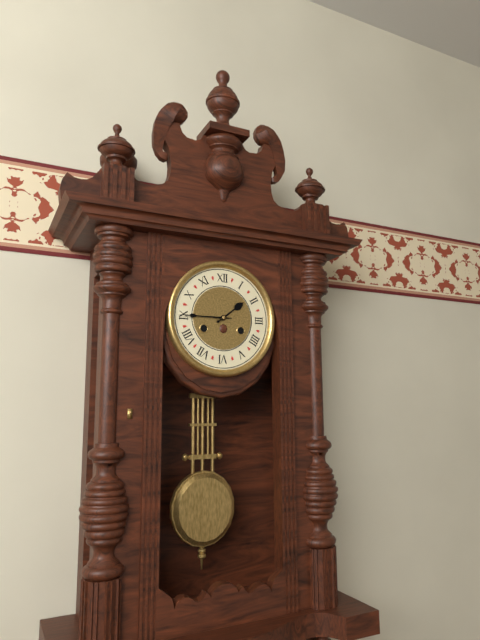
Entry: 1:45
